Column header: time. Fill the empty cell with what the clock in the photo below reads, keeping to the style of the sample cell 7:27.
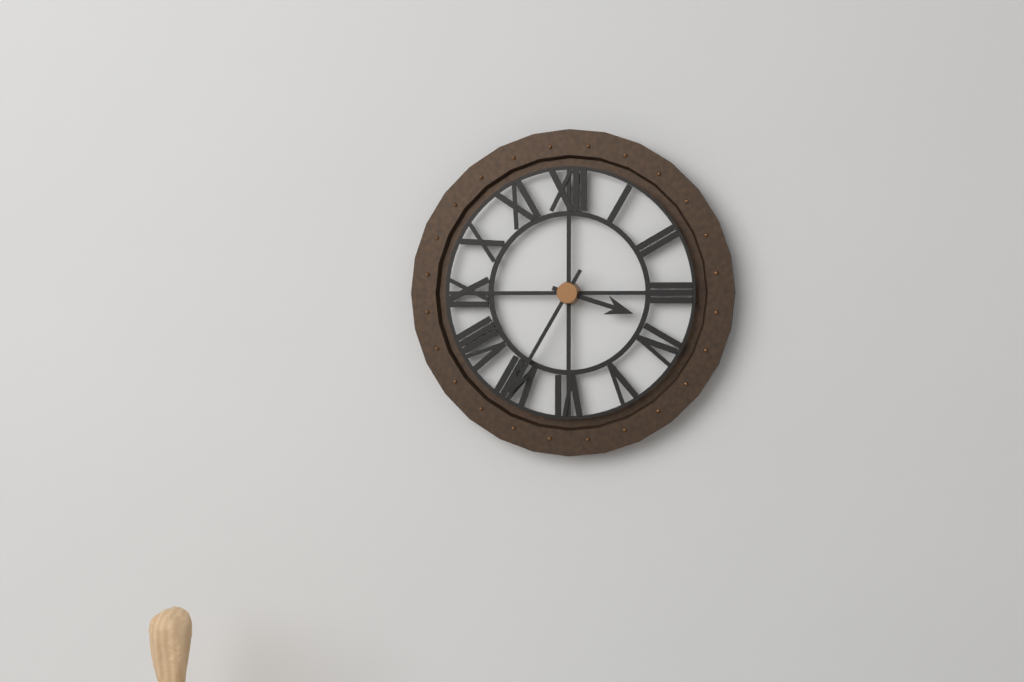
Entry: 3:35
